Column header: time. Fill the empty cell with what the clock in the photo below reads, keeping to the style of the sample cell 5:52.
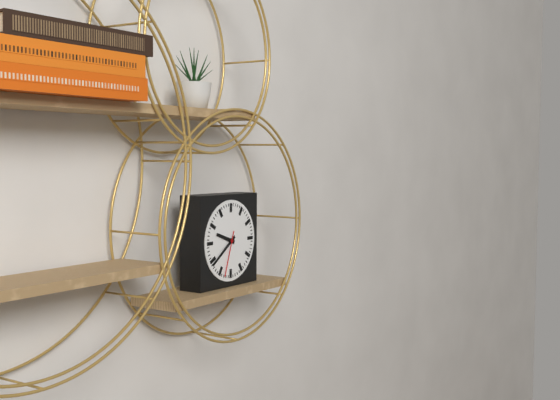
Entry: 9:39
